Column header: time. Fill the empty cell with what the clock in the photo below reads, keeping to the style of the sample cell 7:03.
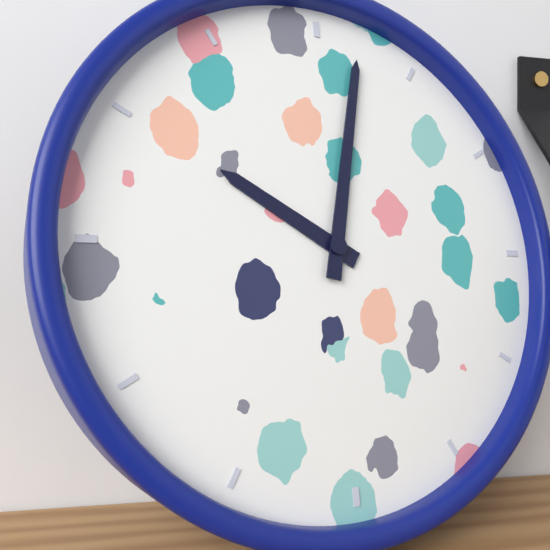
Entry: 10:02
